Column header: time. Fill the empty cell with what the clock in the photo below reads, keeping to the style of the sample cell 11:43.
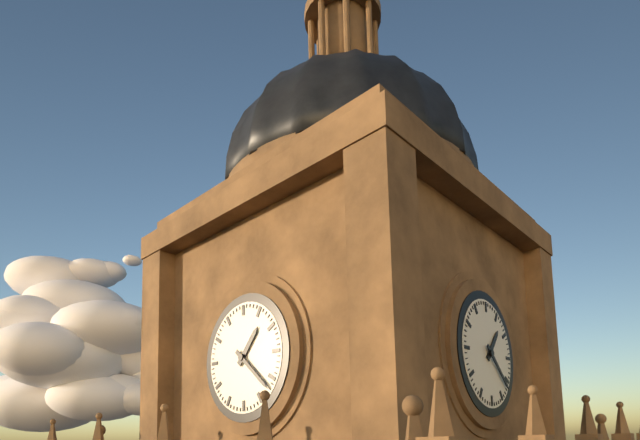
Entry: 1:22
